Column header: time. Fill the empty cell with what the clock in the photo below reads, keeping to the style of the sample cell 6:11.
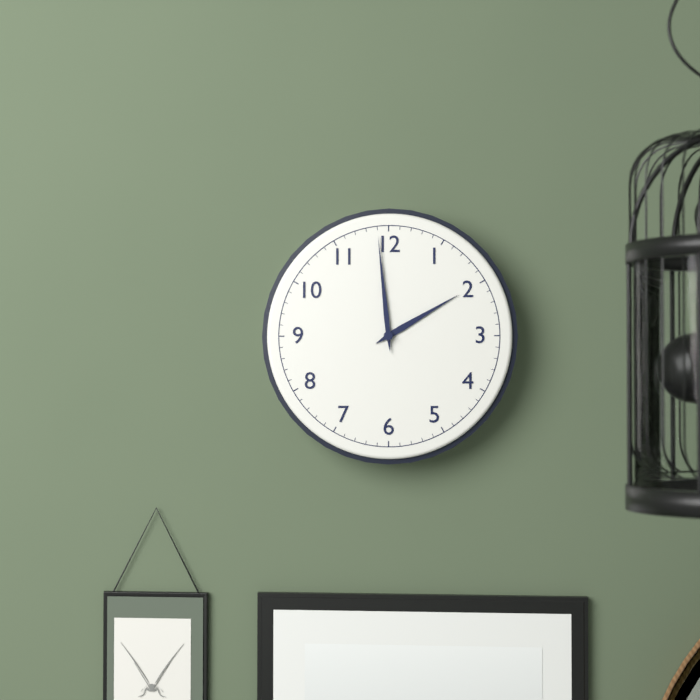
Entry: 1:59
